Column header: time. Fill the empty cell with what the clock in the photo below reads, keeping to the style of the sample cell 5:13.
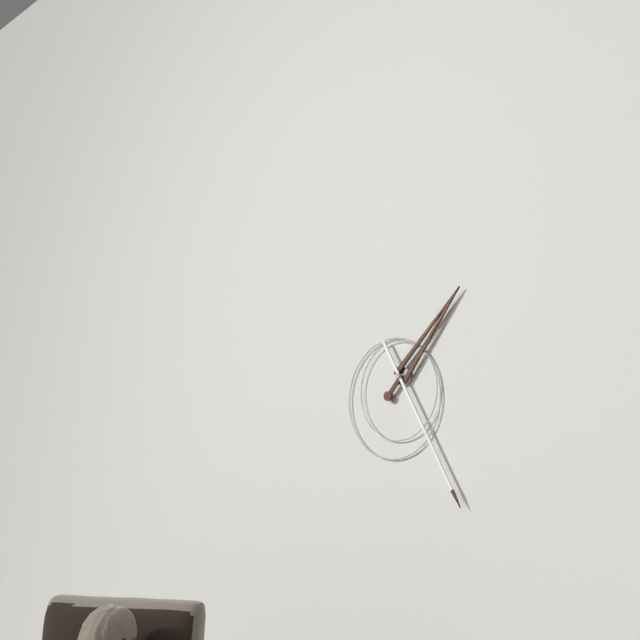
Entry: 1:25
